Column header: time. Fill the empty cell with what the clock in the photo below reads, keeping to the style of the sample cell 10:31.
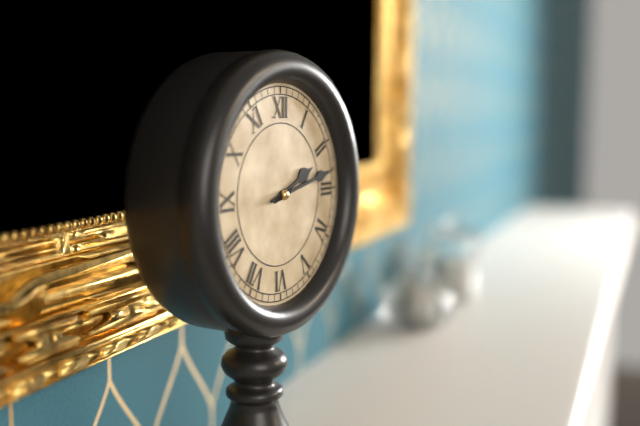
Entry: 2:13
